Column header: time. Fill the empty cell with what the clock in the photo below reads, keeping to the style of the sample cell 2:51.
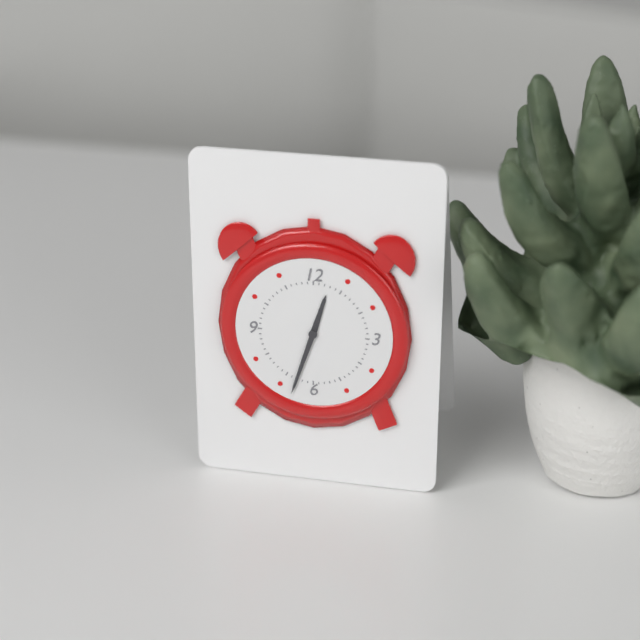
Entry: 12:33
